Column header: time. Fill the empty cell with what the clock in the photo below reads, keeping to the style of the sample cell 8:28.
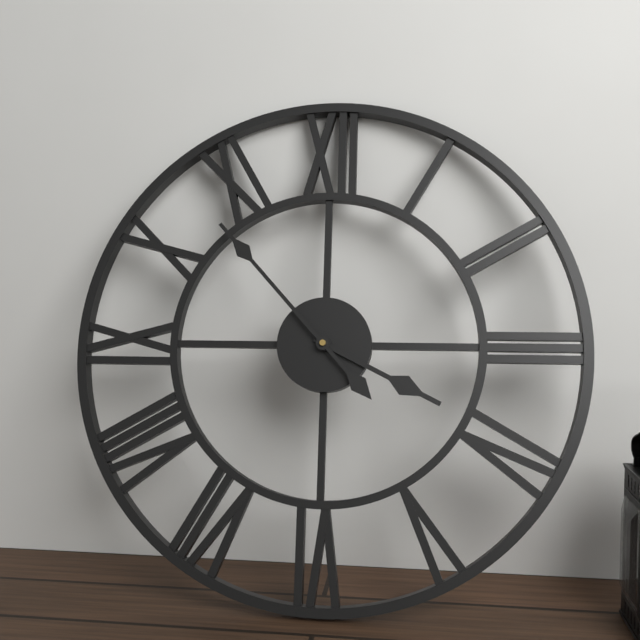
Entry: 3:53
